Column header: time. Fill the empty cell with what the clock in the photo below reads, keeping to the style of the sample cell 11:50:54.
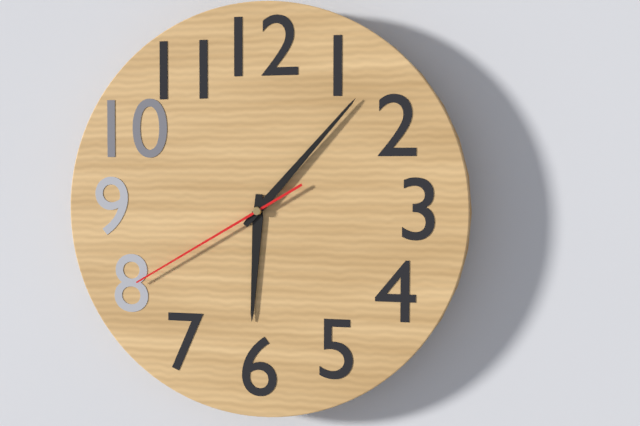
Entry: 6:07:40
